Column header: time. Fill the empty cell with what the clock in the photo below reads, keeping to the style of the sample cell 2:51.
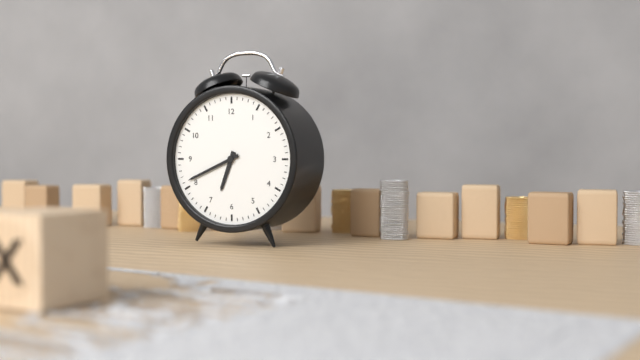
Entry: 6:41
